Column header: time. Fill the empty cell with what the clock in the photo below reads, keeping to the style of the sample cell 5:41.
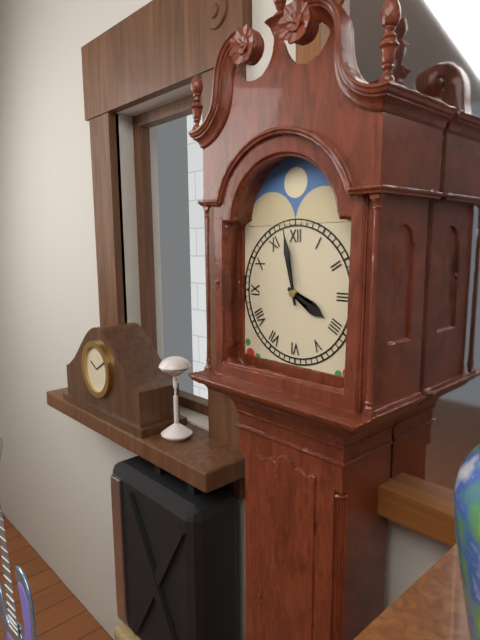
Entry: 3:58
